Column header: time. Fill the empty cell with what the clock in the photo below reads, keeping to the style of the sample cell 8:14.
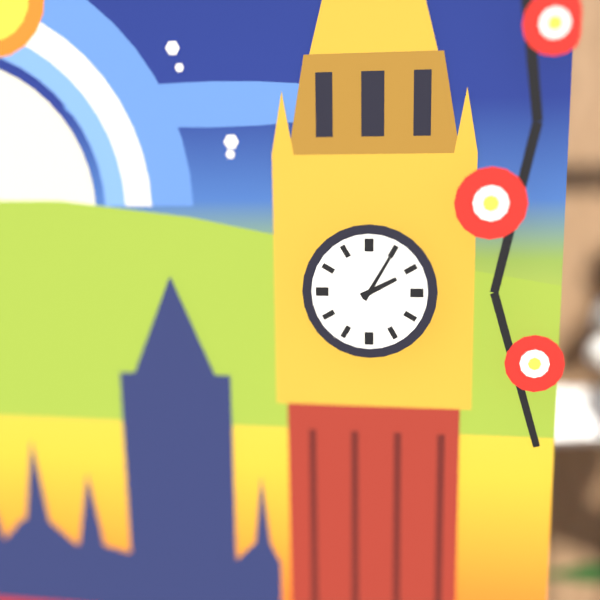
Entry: 2:05
